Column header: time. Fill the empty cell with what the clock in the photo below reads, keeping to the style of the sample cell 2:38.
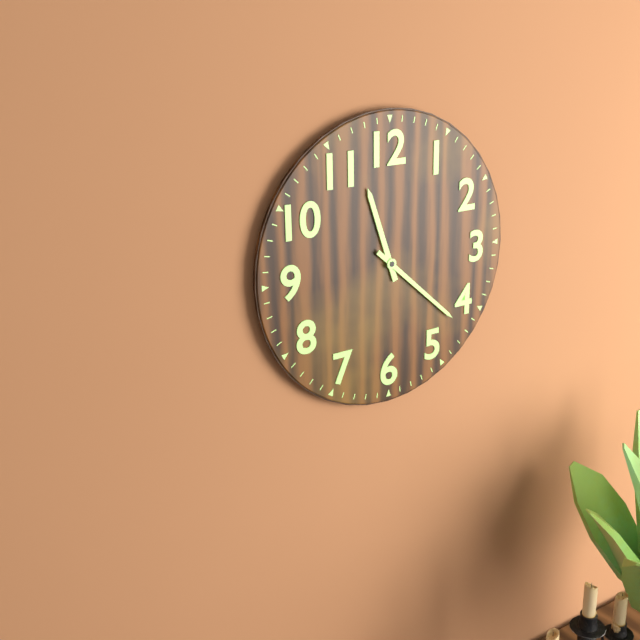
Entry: 11:22
